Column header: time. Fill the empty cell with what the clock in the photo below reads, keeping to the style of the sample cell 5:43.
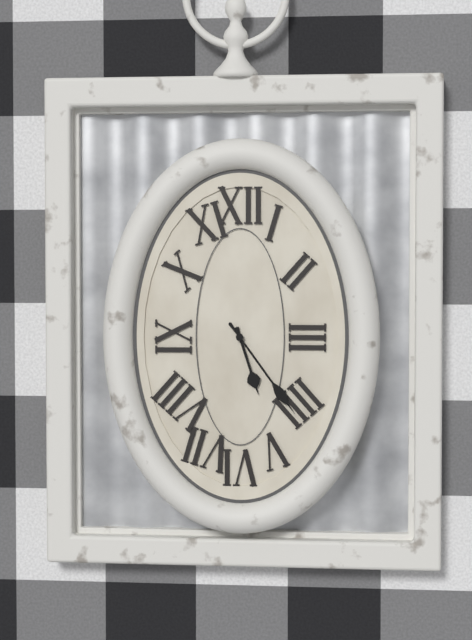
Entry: 5:24
